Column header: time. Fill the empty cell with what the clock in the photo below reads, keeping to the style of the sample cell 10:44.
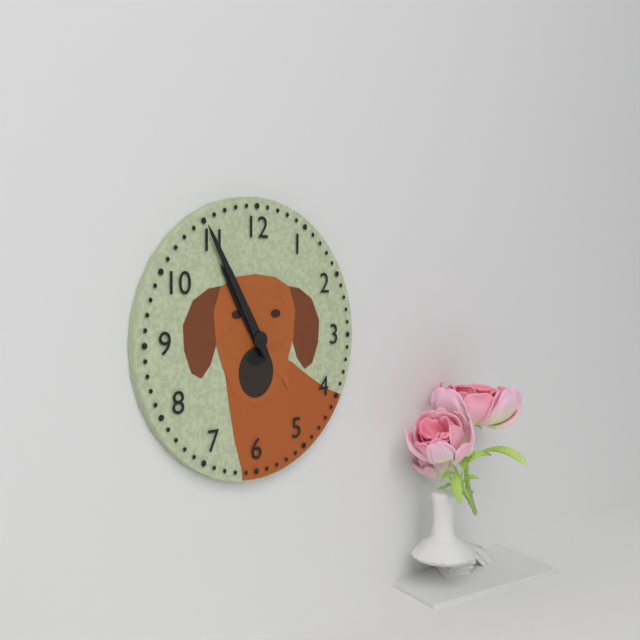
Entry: 10:55
